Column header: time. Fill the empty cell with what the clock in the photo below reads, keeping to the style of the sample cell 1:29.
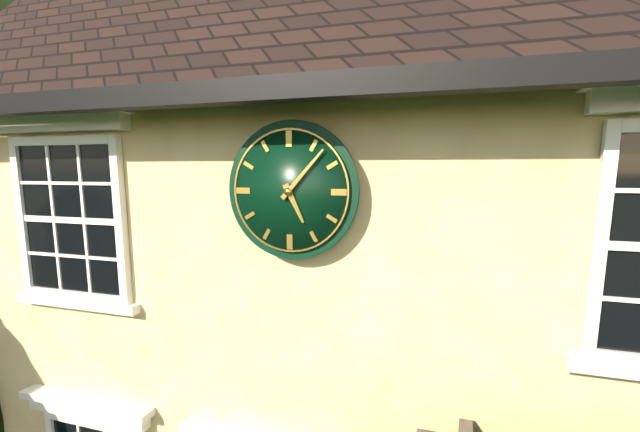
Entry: 5:07
